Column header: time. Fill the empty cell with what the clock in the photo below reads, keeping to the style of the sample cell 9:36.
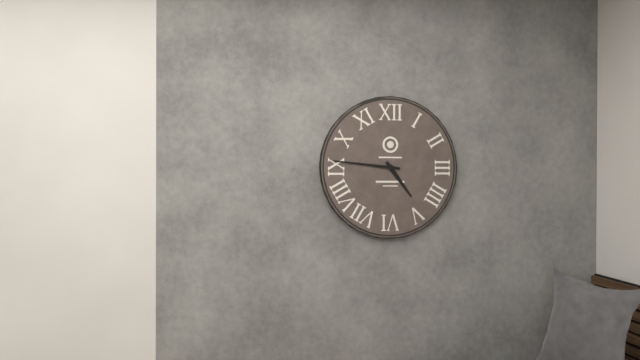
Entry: 4:46
